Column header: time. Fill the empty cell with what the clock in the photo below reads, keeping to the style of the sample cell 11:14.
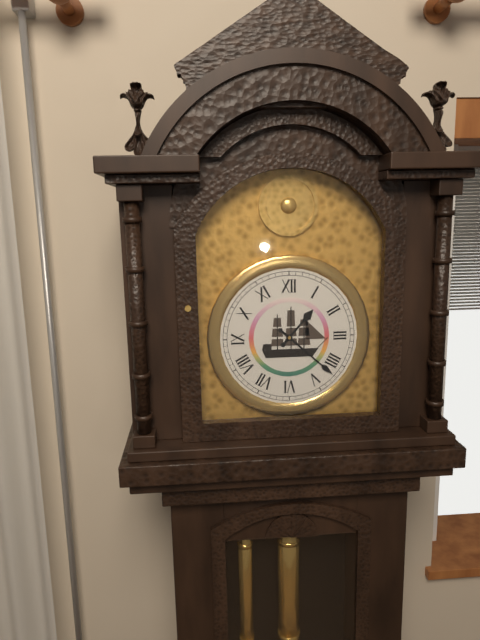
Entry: 1:22
